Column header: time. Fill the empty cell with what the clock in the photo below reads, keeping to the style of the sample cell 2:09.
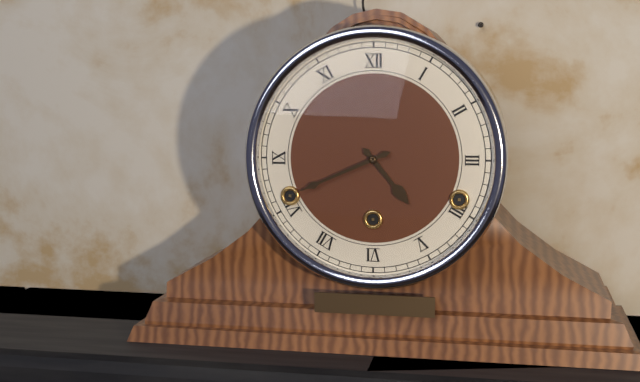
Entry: 4:41
